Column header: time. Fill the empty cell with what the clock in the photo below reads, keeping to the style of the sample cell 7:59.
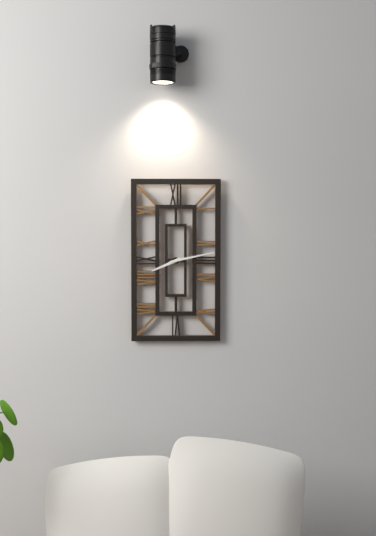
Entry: 8:13
